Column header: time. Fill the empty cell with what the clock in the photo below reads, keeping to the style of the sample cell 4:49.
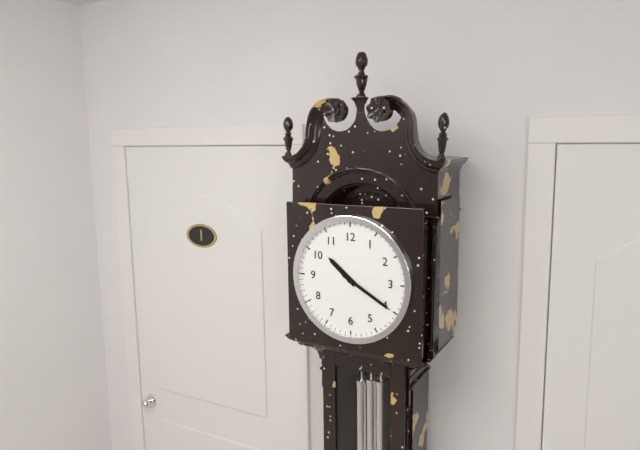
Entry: 10:20
